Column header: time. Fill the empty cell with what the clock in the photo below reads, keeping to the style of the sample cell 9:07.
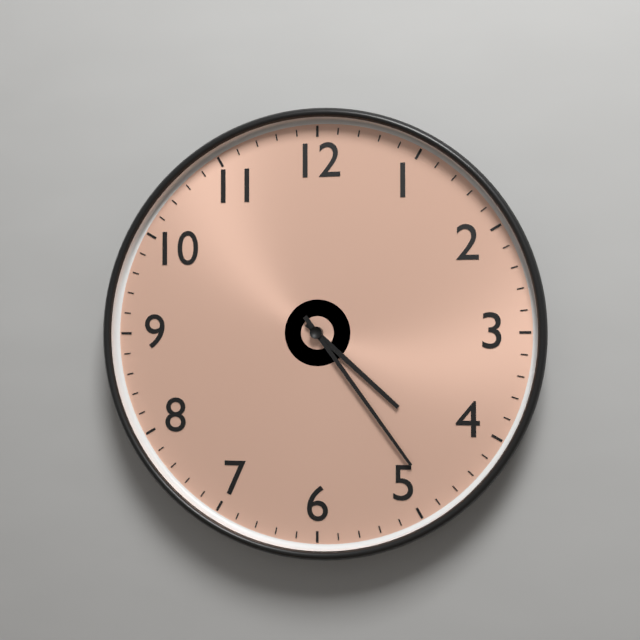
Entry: 4:24
